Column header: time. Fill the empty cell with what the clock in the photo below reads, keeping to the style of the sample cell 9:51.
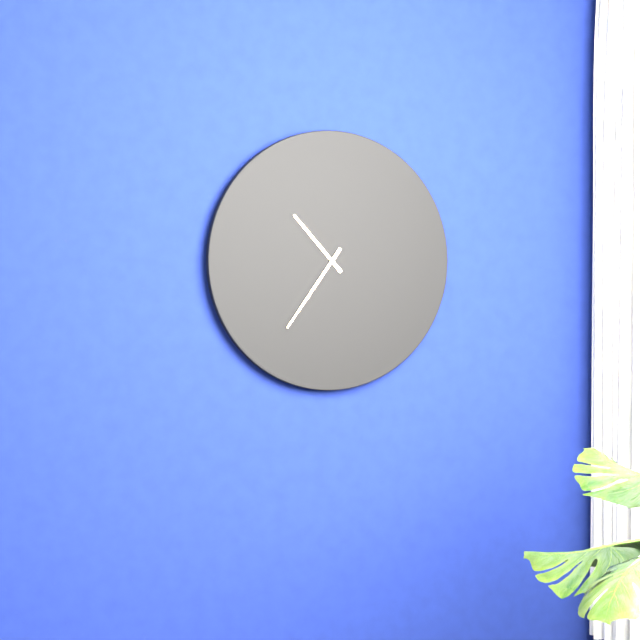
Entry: 10:36
